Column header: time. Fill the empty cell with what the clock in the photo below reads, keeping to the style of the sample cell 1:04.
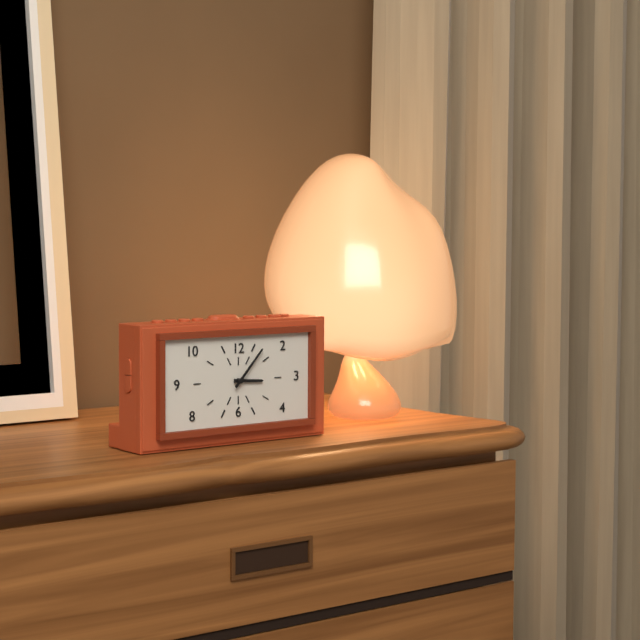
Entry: 3:07
